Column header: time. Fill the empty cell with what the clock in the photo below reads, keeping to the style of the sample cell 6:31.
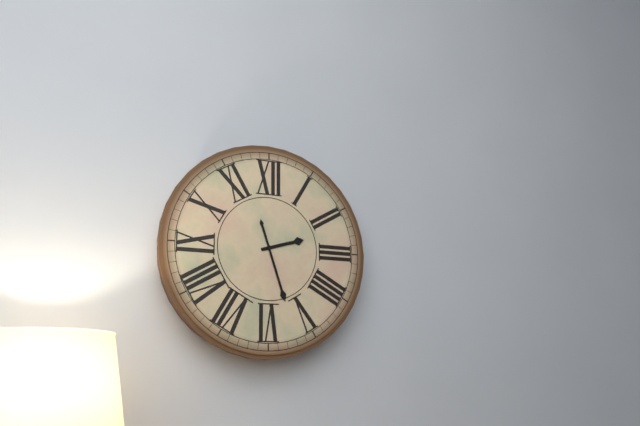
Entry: 2:27
